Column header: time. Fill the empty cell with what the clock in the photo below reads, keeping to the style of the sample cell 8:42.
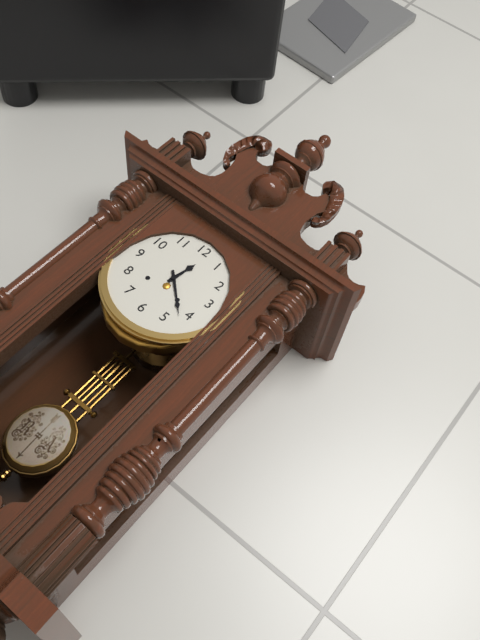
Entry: 12:22
